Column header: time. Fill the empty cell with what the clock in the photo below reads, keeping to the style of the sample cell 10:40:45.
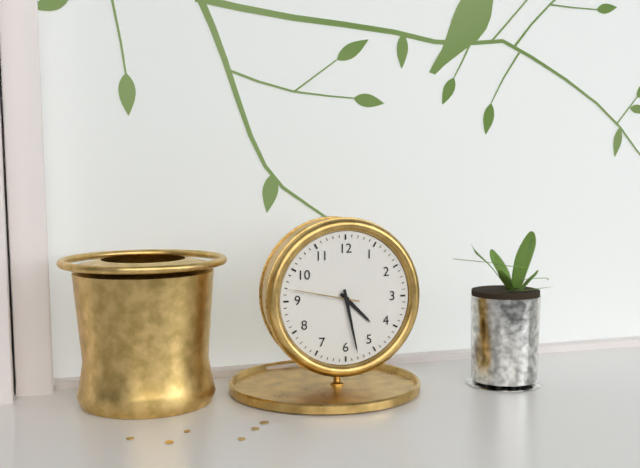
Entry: 4:28:47
